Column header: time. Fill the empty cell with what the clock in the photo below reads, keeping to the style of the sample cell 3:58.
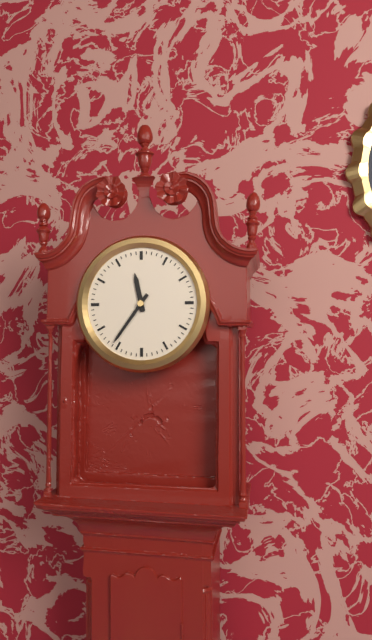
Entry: 11:36
